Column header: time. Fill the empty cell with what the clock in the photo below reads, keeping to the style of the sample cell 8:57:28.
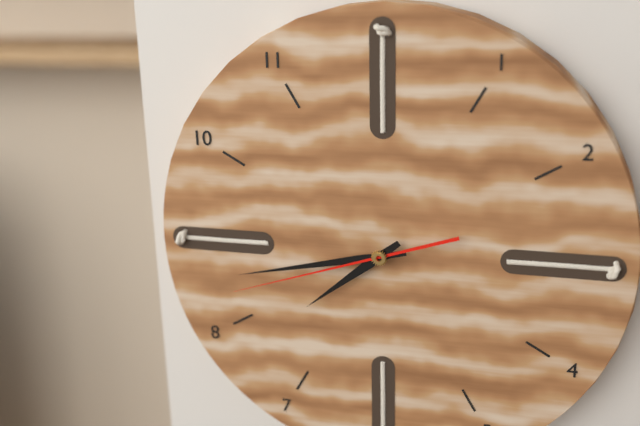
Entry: 7:43:42
